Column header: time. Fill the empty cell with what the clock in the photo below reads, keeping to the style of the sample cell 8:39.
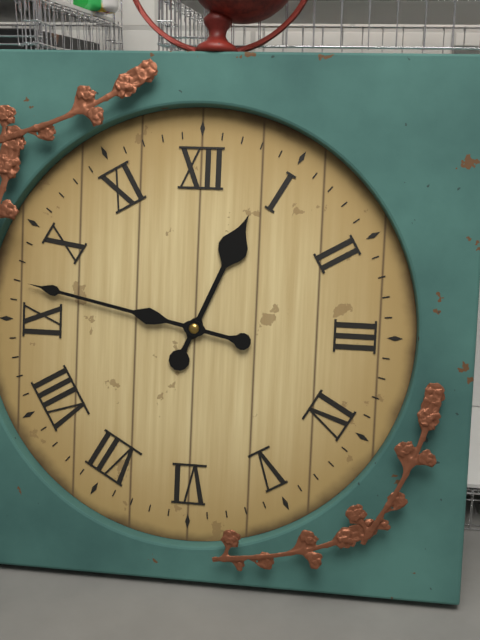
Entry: 12:47
